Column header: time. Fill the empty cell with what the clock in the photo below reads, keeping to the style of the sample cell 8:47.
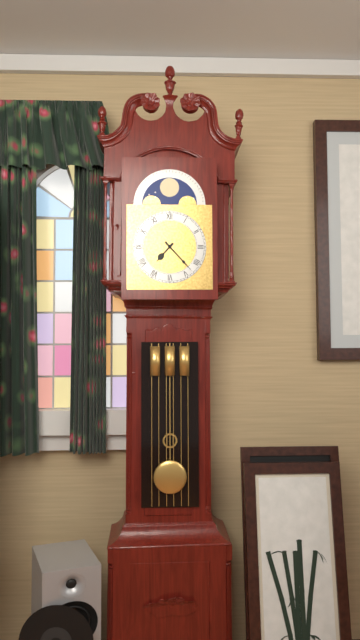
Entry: 7:23
